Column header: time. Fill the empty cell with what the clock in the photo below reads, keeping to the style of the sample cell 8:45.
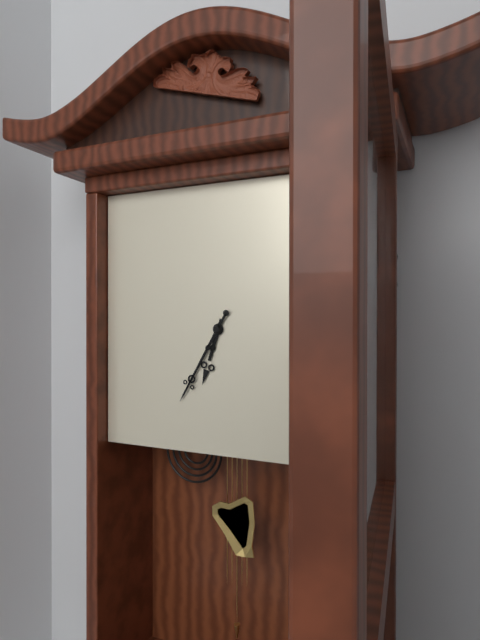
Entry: 6:35
